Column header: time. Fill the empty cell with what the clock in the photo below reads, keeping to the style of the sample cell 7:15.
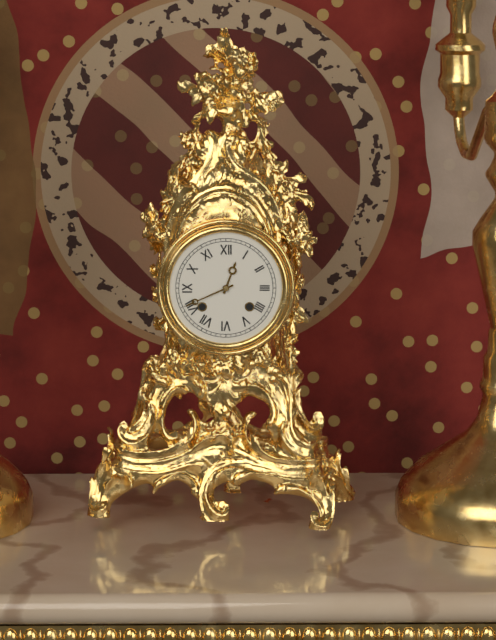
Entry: 12:41
